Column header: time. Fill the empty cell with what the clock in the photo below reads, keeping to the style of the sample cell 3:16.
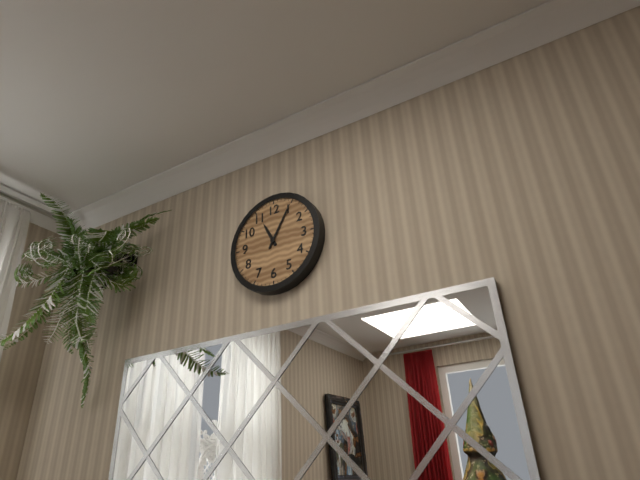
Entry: 11:05
